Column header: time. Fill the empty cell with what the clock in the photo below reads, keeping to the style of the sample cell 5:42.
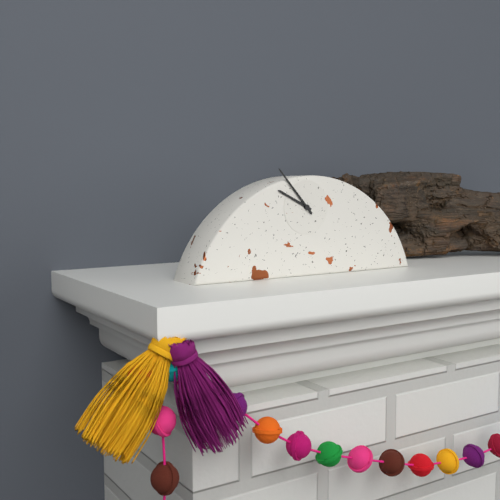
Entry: 9:53
